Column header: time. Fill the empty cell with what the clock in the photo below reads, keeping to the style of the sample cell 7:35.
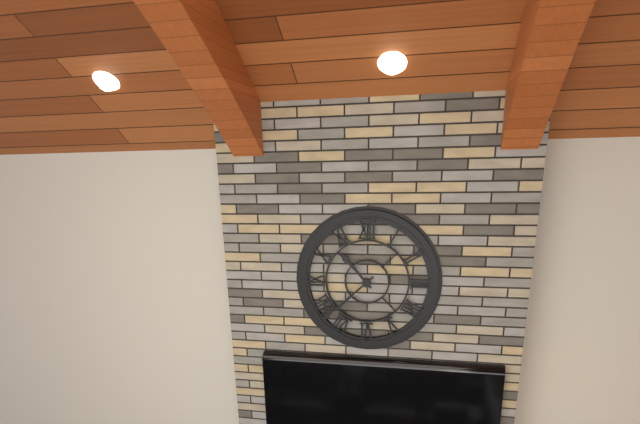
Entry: 10:38
